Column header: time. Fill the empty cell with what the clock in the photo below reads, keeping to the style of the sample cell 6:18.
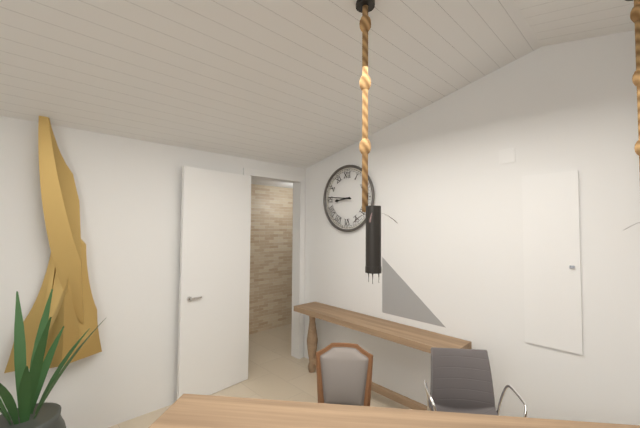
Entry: 8:46
